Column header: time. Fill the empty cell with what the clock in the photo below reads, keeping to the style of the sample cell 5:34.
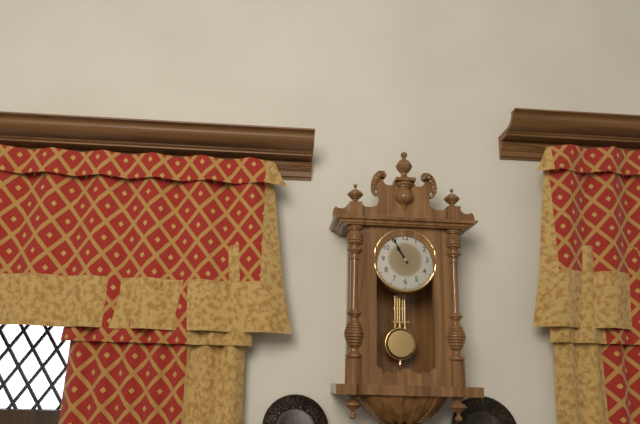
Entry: 10:55
